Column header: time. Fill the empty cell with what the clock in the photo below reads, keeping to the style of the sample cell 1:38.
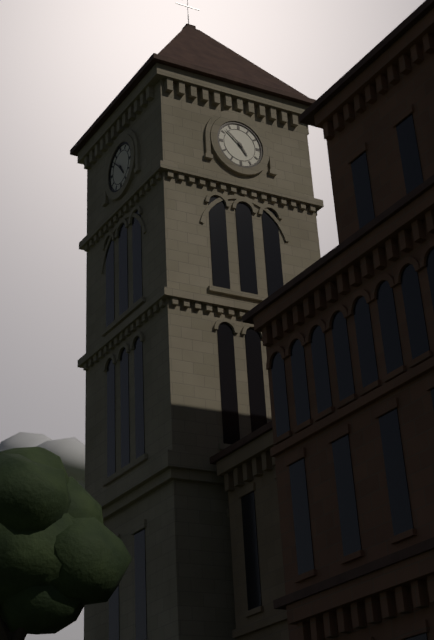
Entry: 4:52
